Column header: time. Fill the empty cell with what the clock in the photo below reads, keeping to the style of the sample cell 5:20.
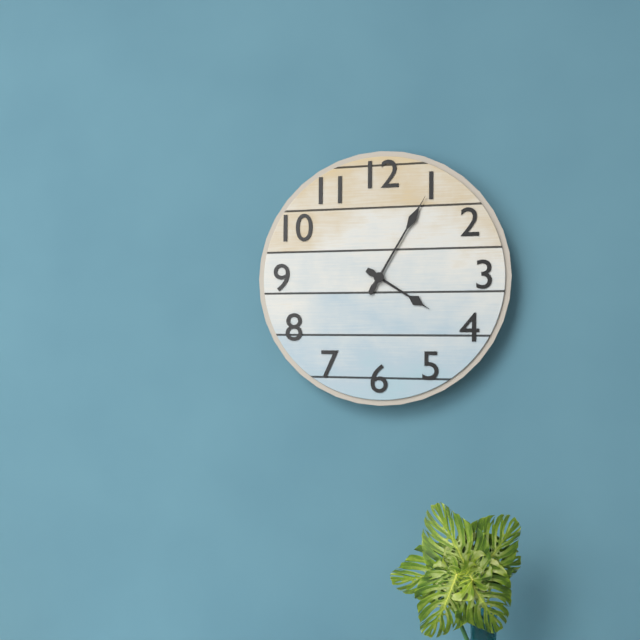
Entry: 4:05
